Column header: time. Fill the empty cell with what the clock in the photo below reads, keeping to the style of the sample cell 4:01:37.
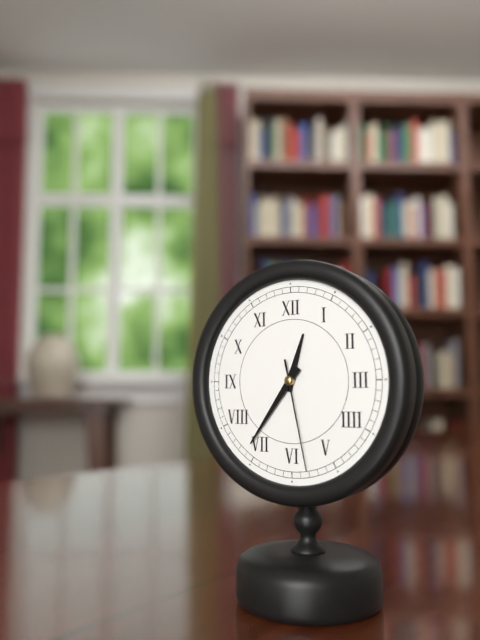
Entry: 12:36:28
